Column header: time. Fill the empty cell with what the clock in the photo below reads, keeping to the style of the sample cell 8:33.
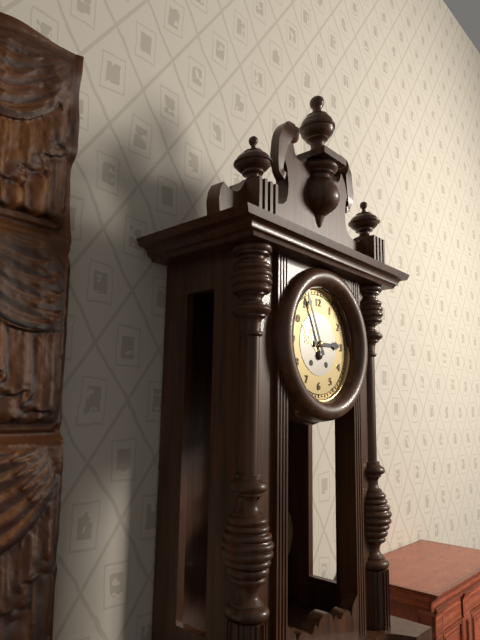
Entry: 2:56
